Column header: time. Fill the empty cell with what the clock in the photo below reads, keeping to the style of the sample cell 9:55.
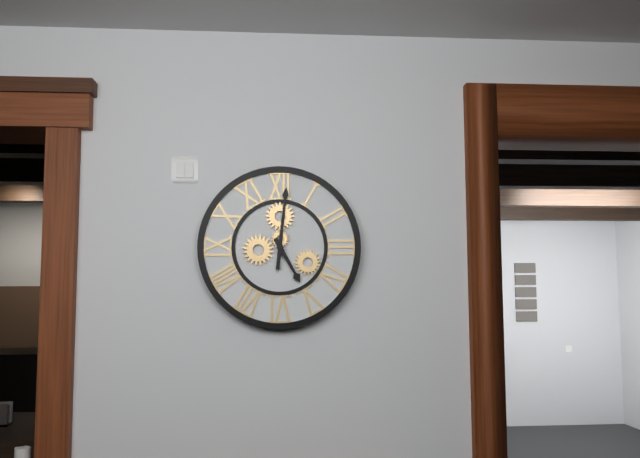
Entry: 5:01
